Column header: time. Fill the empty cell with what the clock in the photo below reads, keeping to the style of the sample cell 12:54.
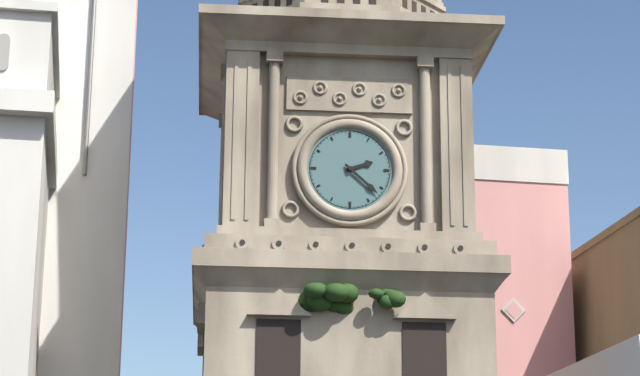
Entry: 2:22
